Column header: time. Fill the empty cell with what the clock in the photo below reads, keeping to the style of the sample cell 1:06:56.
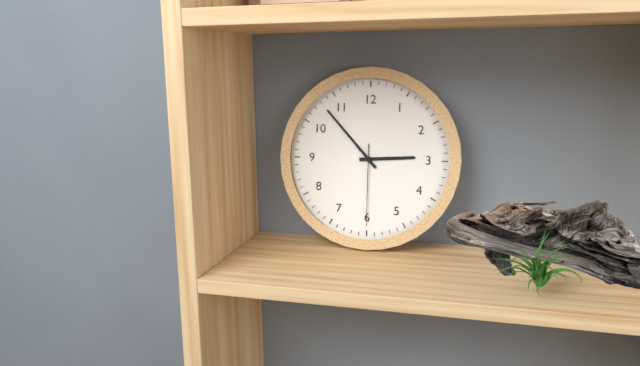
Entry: 2:53:30
